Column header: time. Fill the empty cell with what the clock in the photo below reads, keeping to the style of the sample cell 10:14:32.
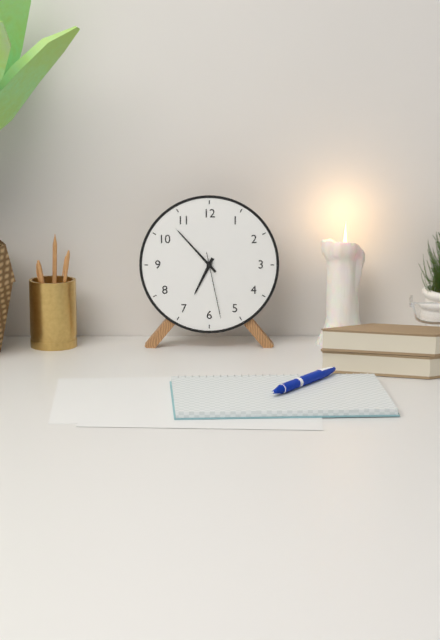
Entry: 6:53:28
